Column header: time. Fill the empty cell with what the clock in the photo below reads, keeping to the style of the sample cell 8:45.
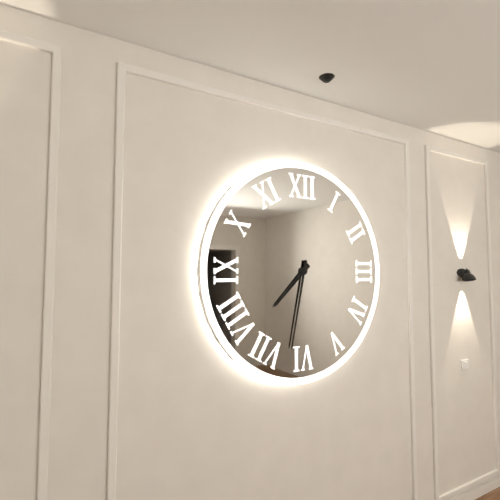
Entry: 7:32
